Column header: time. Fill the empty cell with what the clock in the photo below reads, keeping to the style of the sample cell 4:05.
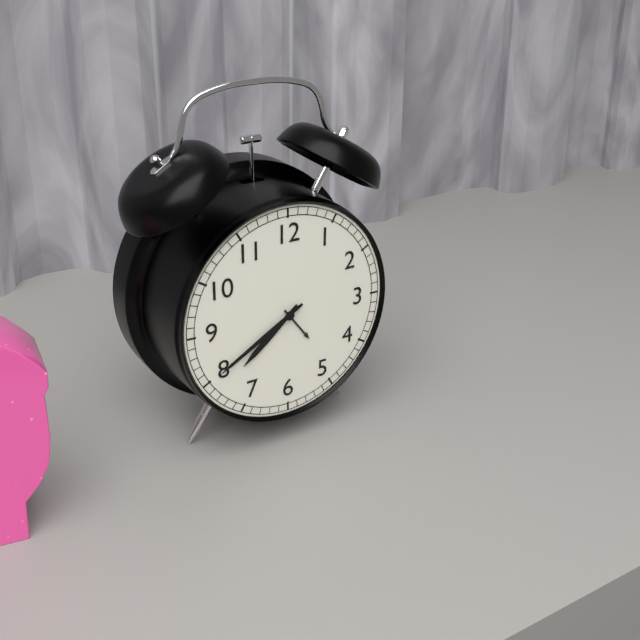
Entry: 7:40
